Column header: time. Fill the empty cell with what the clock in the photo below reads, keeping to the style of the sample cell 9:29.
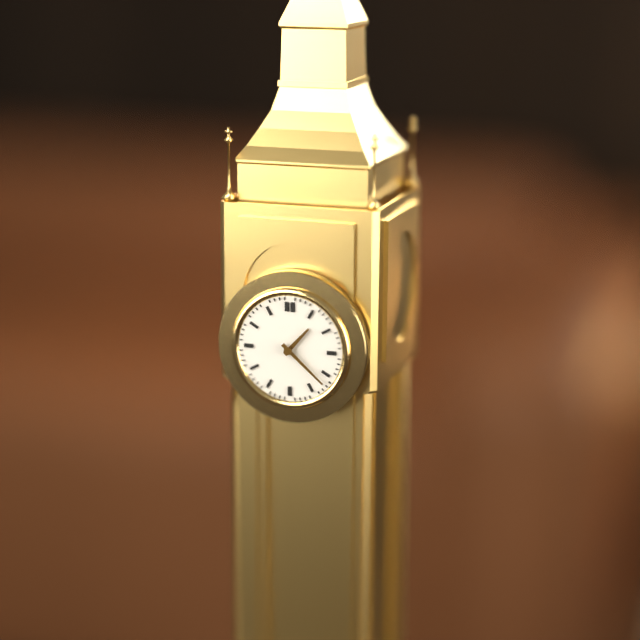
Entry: 1:22
